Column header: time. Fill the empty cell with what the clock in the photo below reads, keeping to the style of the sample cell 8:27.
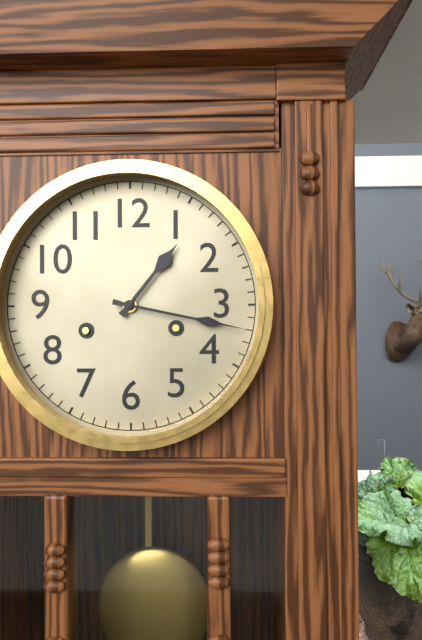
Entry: 1:17
